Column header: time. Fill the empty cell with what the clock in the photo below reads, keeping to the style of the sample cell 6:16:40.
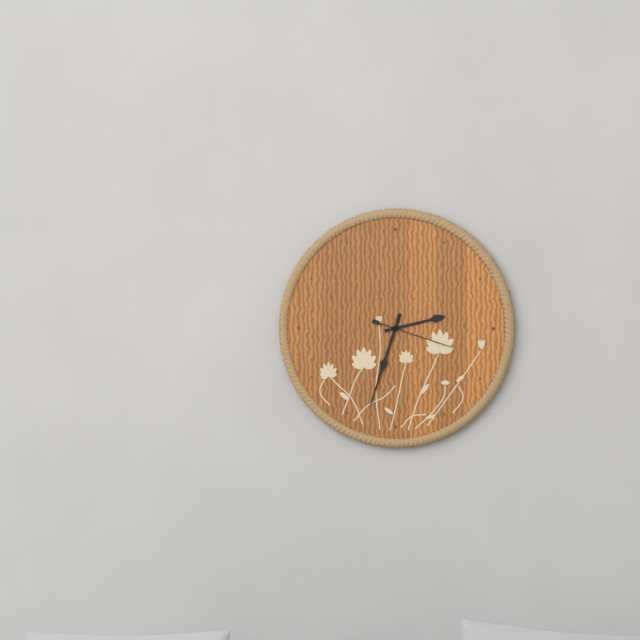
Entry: 2:33:18
